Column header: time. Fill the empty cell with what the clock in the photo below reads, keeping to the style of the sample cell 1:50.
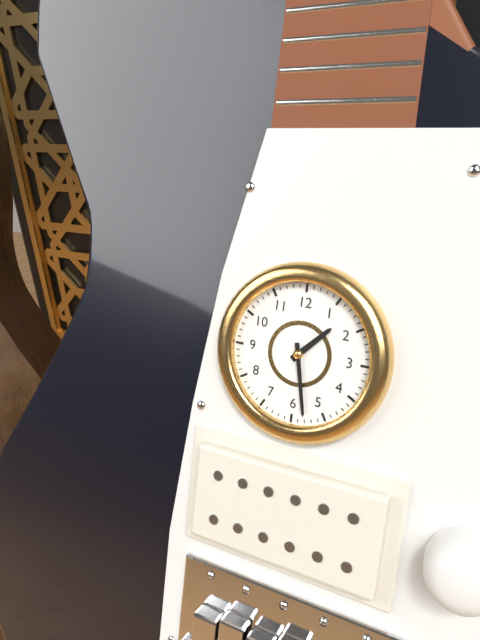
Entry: 1:28
